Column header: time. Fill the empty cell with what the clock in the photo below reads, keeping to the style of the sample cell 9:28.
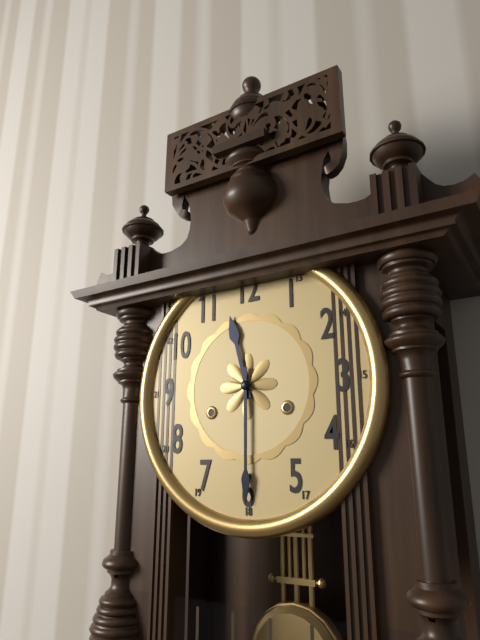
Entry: 11:30
